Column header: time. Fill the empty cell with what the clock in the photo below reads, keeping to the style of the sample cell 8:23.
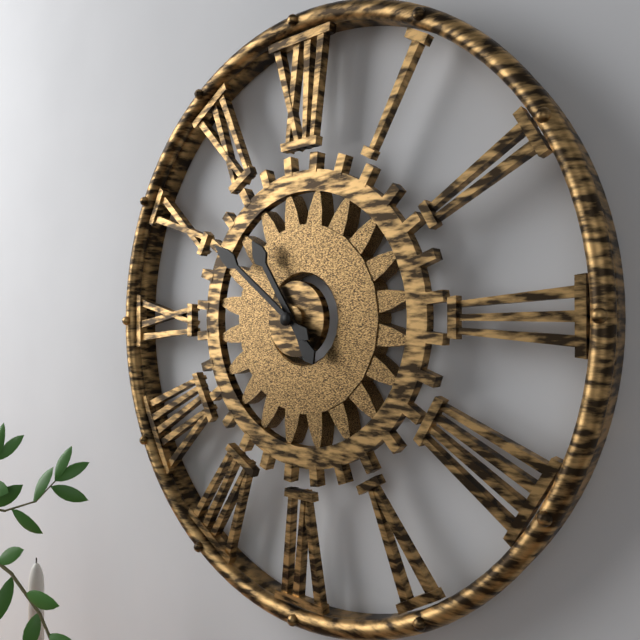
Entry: 10:51
